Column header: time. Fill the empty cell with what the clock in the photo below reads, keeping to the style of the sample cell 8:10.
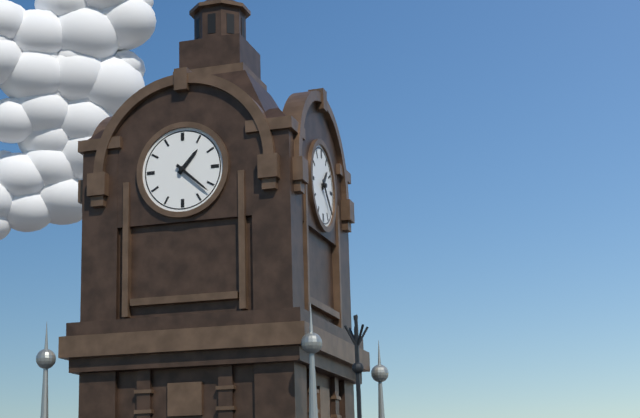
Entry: 1:22
